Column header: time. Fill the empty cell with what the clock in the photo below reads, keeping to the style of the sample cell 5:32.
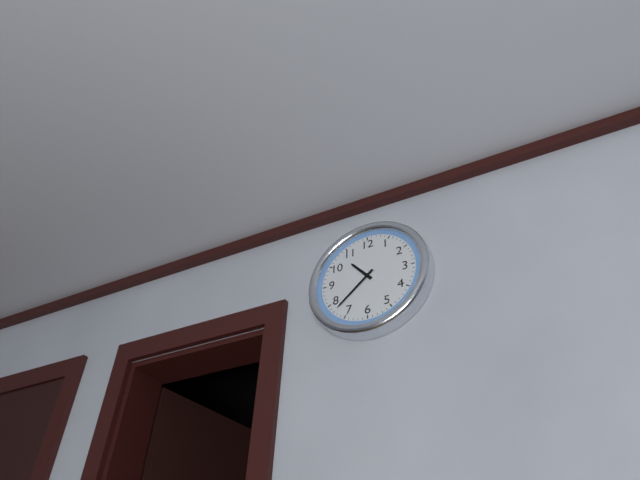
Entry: 10:38
